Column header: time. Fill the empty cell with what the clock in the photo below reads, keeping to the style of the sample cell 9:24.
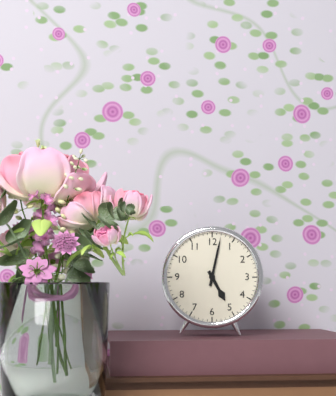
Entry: 5:02
